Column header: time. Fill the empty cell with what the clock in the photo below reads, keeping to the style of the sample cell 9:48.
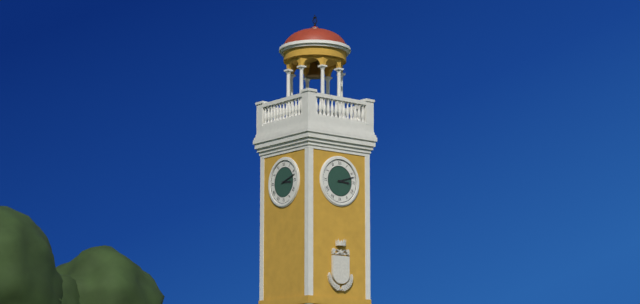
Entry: 3:12
